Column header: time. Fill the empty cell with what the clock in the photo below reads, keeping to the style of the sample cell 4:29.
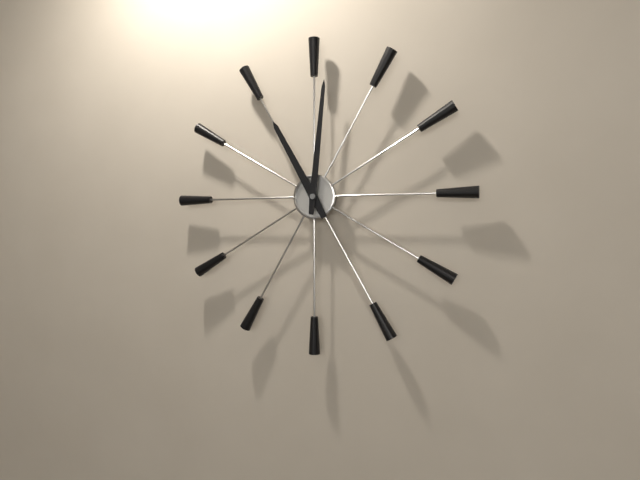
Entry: 11:01
